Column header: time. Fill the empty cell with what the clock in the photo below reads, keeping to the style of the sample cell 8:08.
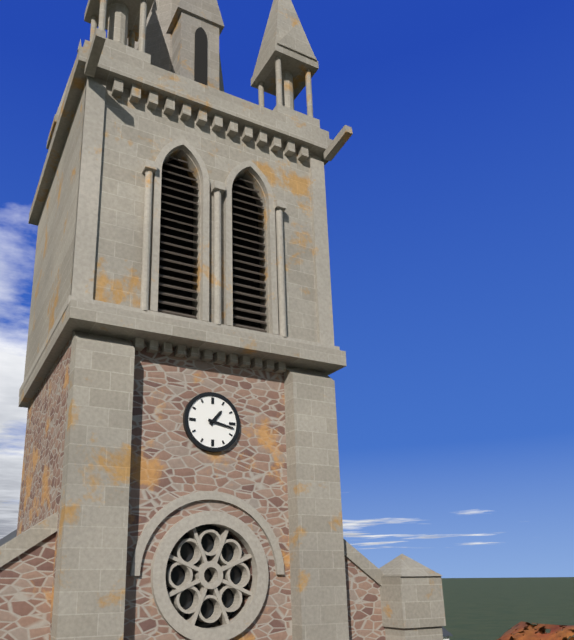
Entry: 1:17
